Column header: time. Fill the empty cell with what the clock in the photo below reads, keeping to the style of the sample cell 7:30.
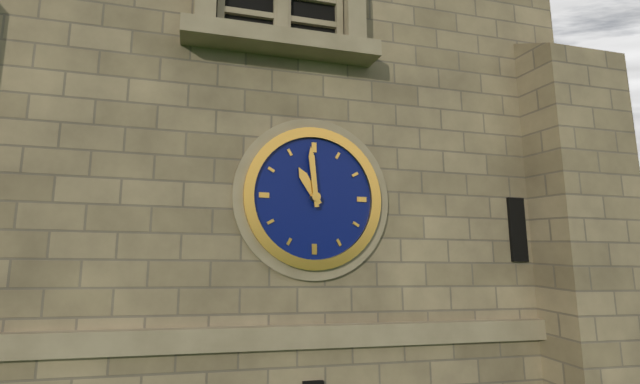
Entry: 10:59
